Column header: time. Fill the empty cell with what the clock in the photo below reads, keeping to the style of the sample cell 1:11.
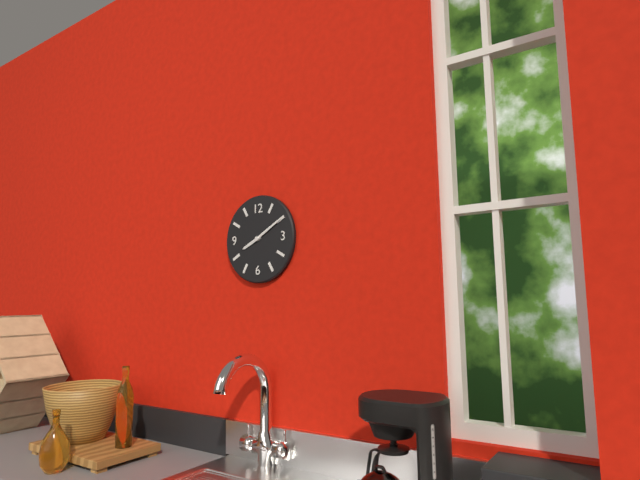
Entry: 8:10
